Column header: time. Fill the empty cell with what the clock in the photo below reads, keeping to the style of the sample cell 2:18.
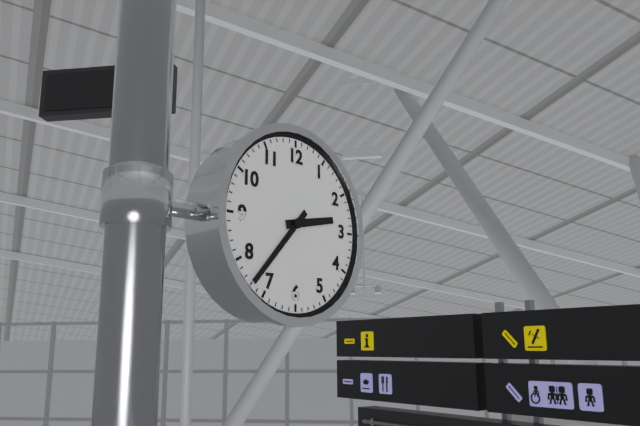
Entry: 2:37
